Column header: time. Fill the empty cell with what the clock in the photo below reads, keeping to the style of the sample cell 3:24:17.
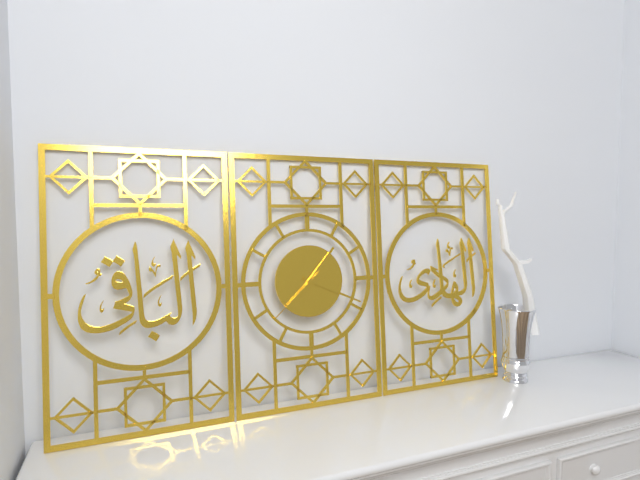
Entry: 1:19:38
